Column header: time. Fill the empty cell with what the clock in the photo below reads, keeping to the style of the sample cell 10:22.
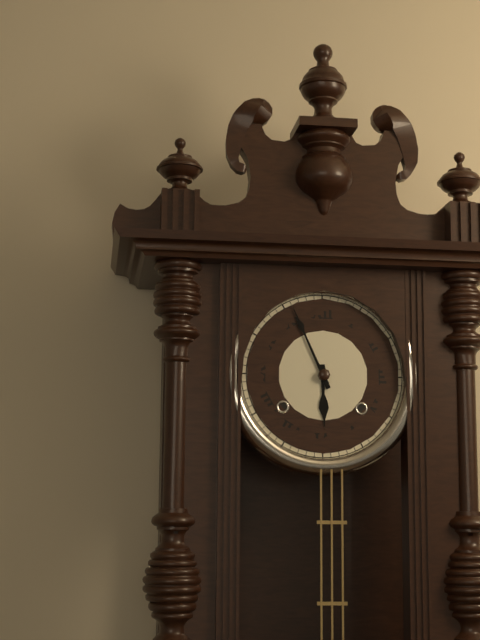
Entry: 5:56
